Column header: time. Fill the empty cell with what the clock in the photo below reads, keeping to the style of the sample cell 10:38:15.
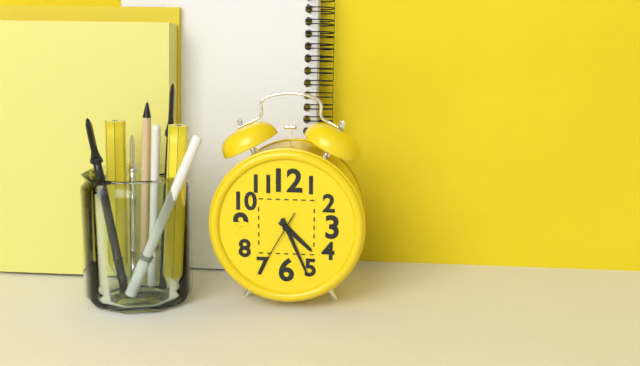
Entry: 4:26:35
